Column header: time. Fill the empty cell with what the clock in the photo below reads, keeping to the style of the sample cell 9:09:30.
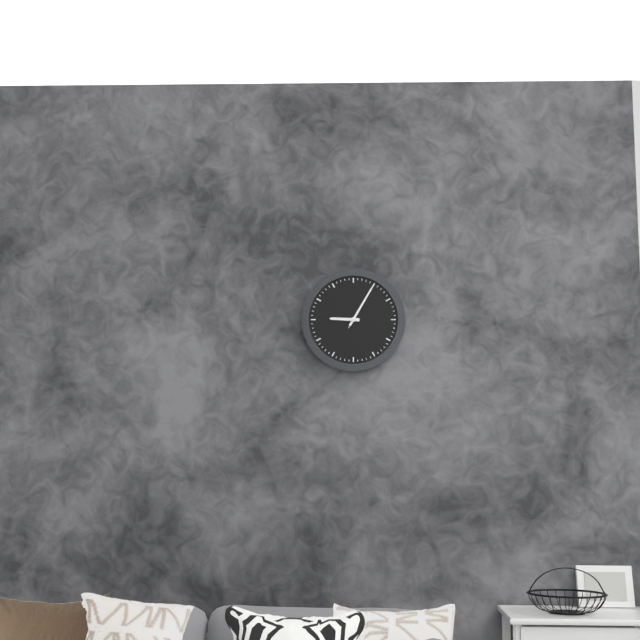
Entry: 9:05:05
